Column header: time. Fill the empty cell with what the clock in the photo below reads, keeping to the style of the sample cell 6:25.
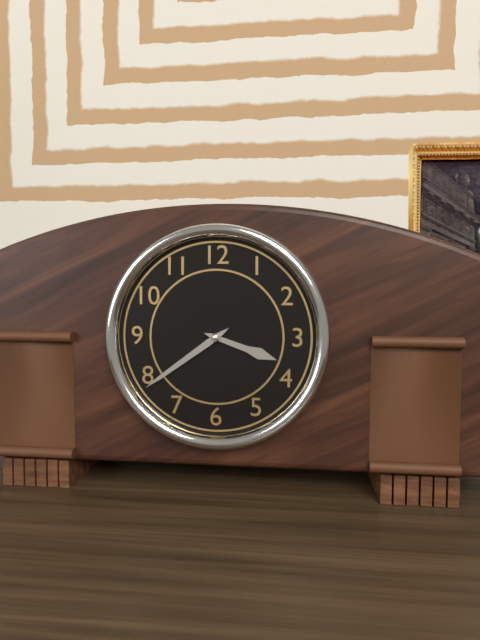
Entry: 3:39
